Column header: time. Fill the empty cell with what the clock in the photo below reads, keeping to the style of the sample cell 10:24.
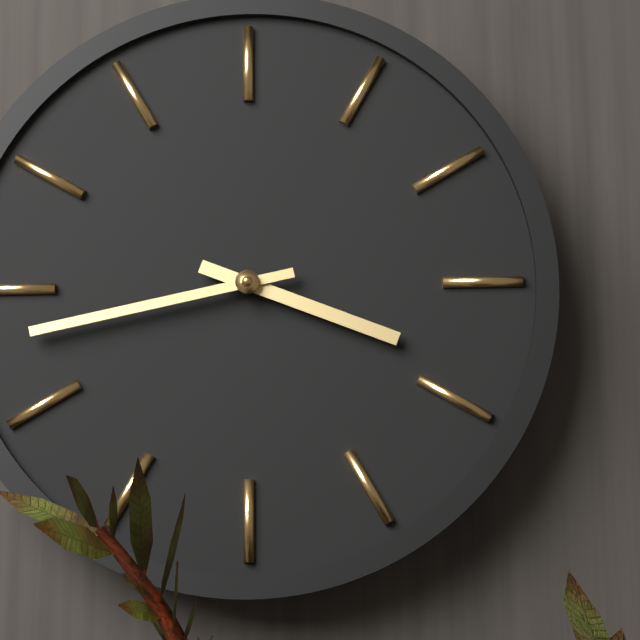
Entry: 3:43
